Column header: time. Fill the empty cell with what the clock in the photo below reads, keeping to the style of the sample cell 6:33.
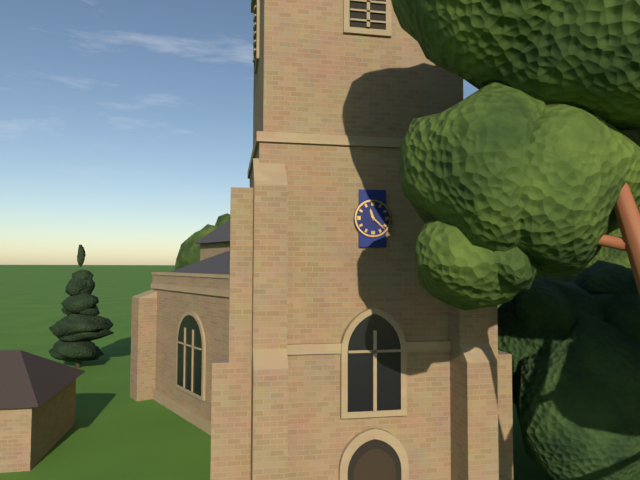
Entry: 11:22
